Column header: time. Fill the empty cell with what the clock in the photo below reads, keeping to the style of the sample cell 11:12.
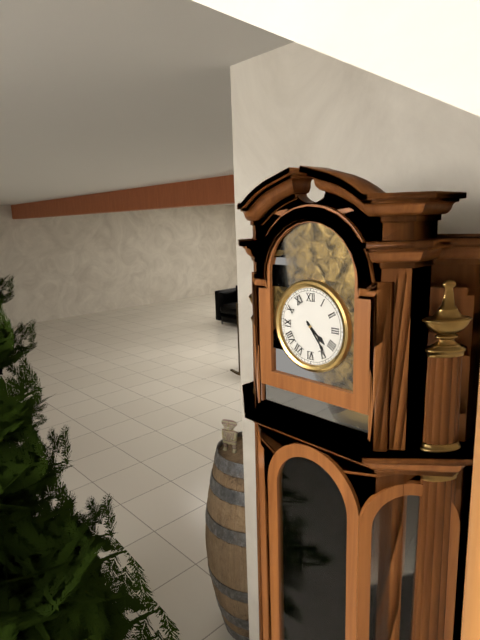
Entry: 4:24
